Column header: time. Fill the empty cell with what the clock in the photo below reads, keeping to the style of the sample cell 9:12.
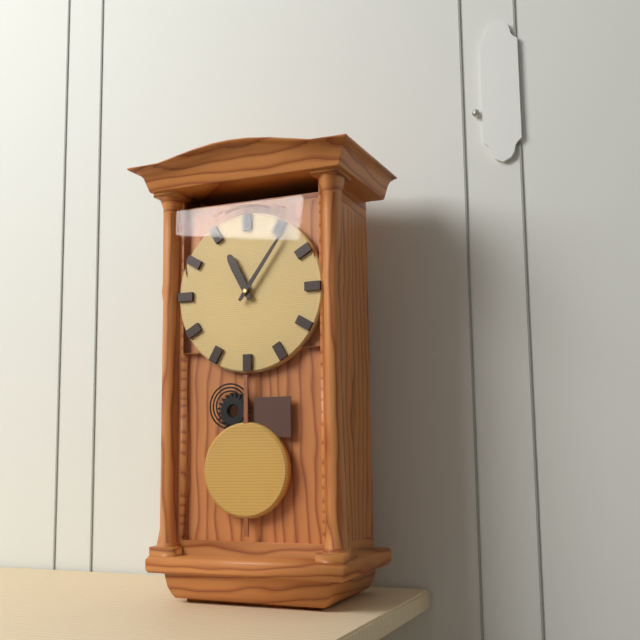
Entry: 11:06
